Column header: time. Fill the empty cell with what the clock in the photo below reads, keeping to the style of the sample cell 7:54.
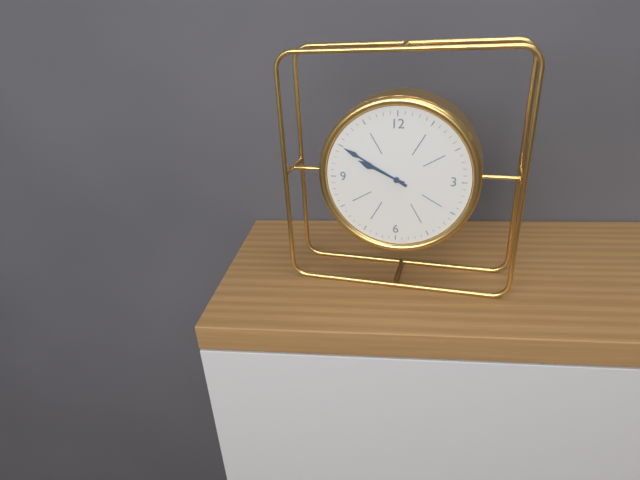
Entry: 9:50
